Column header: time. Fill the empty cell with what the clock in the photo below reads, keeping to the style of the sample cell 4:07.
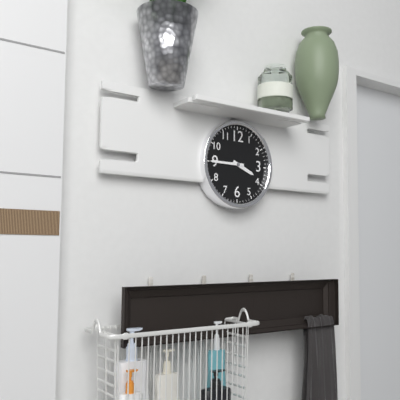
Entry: 3:45
